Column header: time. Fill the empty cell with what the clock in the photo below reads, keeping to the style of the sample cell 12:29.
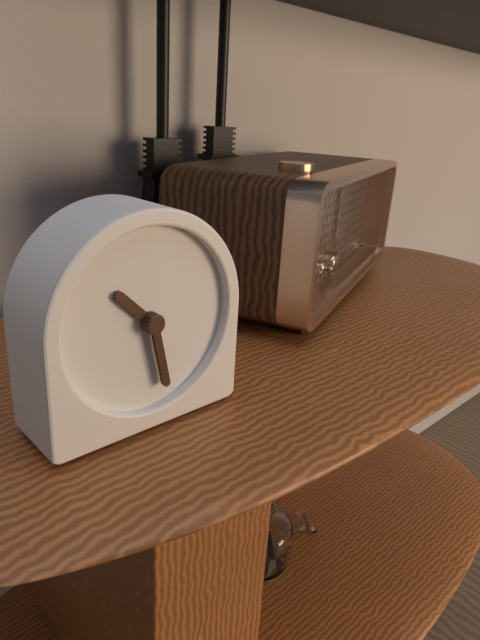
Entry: 10:28
